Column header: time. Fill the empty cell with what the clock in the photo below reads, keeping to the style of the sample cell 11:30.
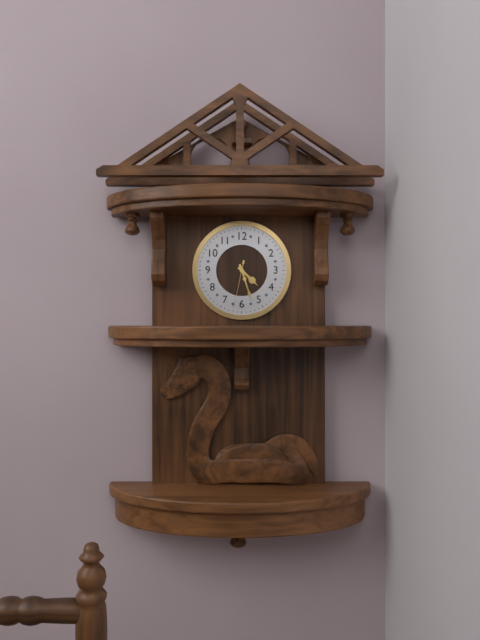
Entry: 4:27
